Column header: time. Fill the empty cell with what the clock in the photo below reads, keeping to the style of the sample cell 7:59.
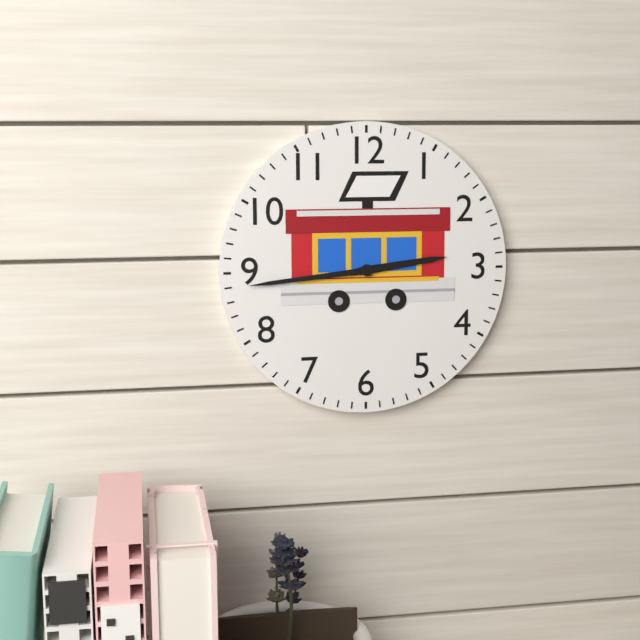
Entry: 2:44
